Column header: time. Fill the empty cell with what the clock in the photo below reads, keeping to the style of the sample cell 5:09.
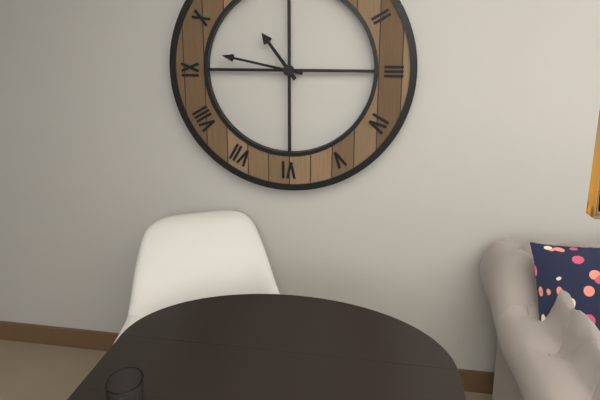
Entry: 10:47
